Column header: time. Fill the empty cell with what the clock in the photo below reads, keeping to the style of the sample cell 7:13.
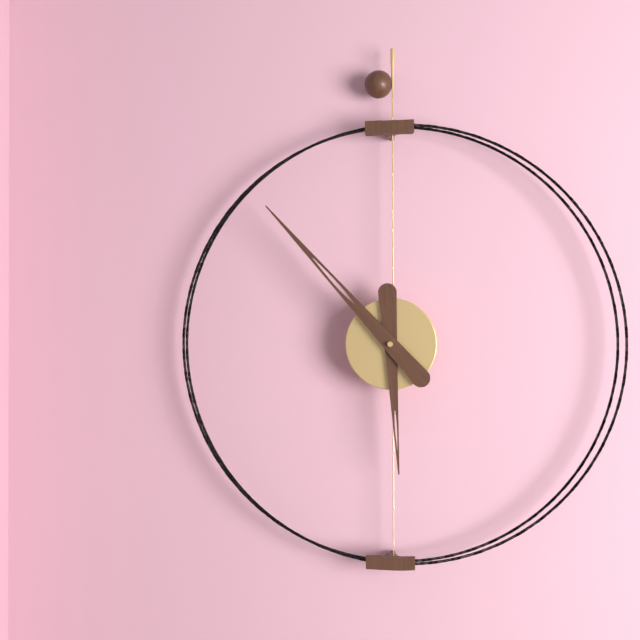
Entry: 5:53
